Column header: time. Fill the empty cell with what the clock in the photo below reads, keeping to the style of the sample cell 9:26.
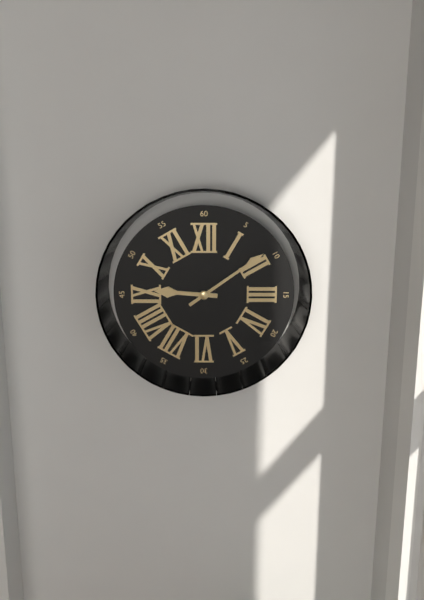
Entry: 9:09
